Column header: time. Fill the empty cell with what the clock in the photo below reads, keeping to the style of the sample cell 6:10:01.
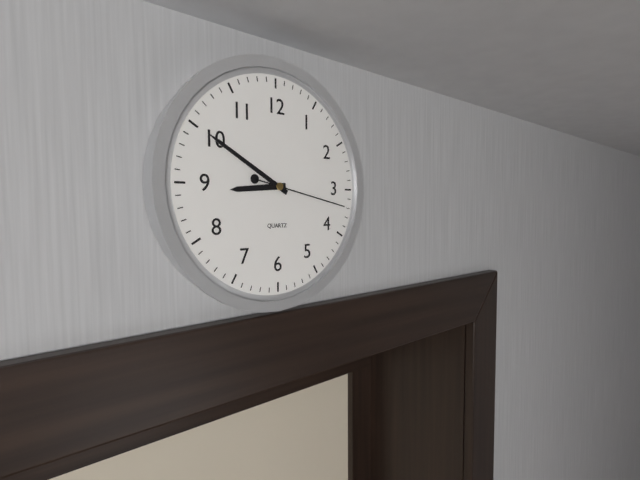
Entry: 8:50:17
